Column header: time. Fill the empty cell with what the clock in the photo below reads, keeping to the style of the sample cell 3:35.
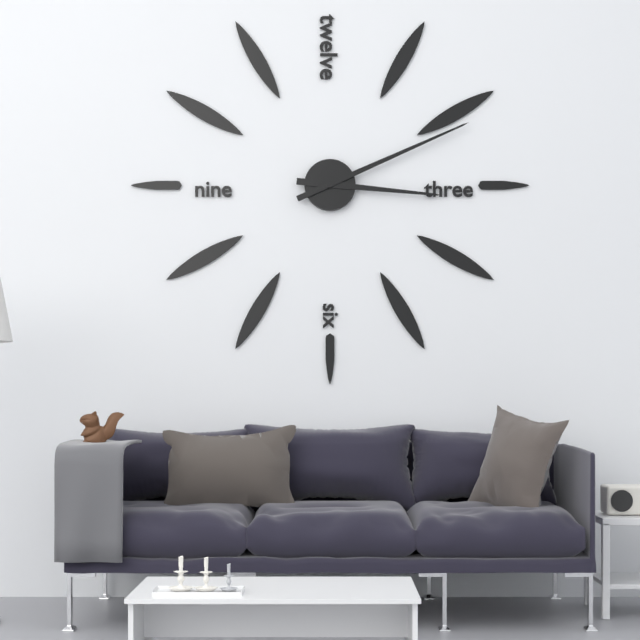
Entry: 3:11
